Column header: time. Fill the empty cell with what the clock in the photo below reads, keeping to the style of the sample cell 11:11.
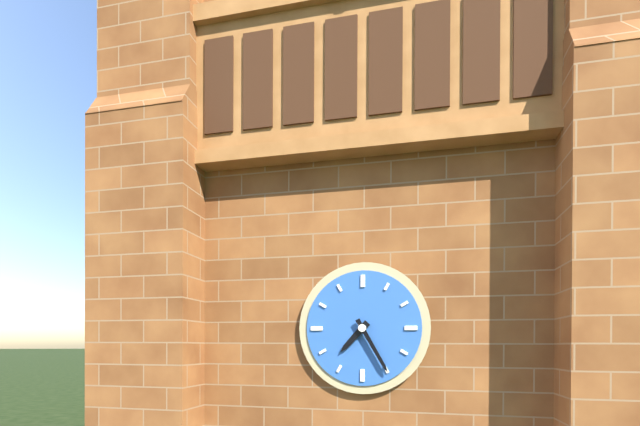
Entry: 7:25
